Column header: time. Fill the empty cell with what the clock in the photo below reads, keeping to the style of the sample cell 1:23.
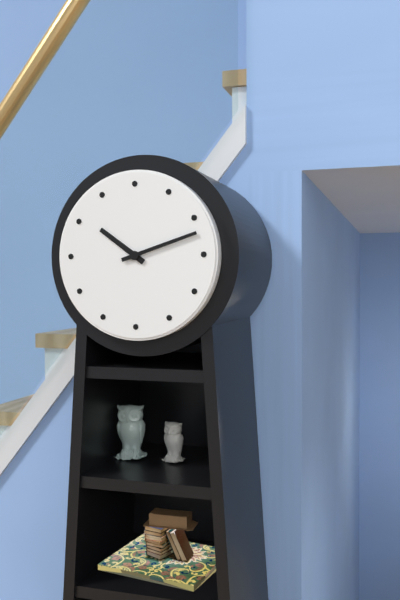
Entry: 10:12
